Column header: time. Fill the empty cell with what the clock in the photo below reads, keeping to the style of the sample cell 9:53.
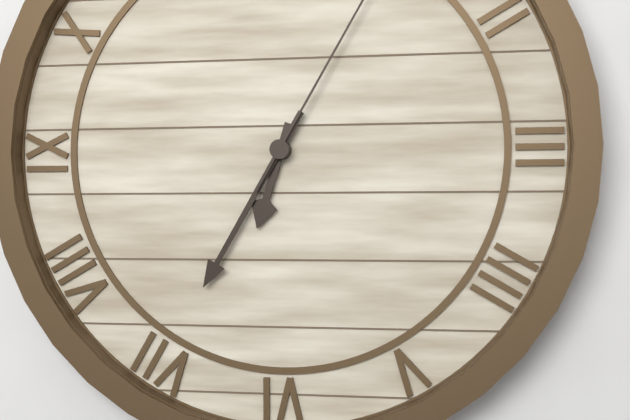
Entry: 6:35
